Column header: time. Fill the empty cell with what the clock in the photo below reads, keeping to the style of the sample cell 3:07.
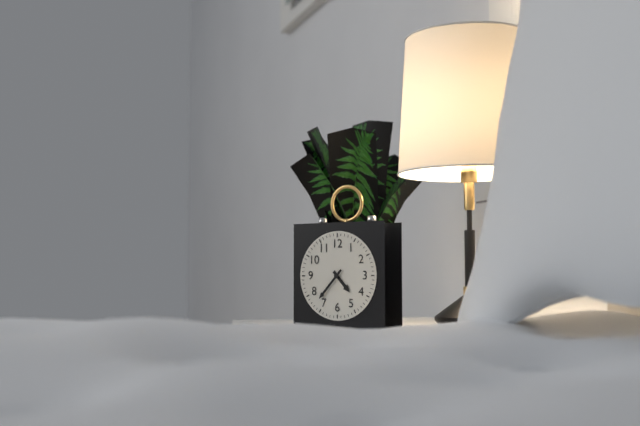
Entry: 4:37
